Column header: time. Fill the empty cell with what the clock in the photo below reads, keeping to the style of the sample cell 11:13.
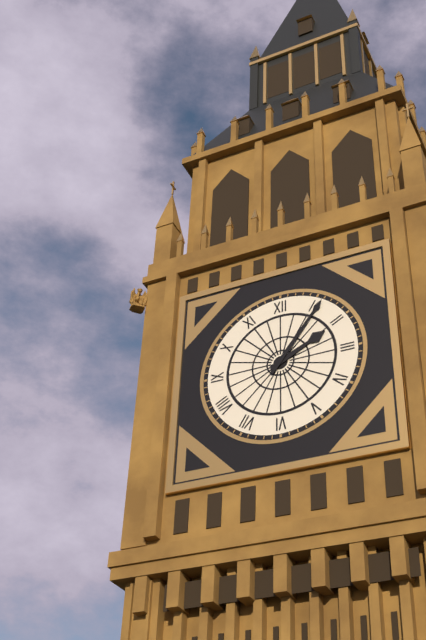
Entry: 2:06
